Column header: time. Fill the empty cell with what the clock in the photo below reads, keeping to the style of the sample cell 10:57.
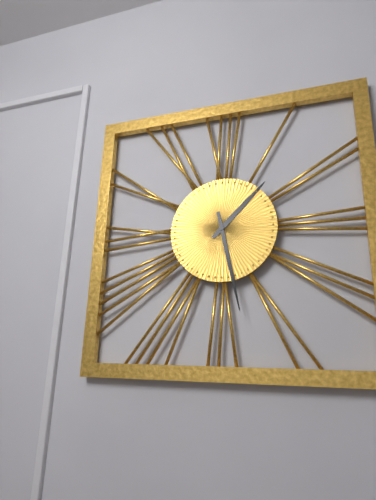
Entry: 1:28
